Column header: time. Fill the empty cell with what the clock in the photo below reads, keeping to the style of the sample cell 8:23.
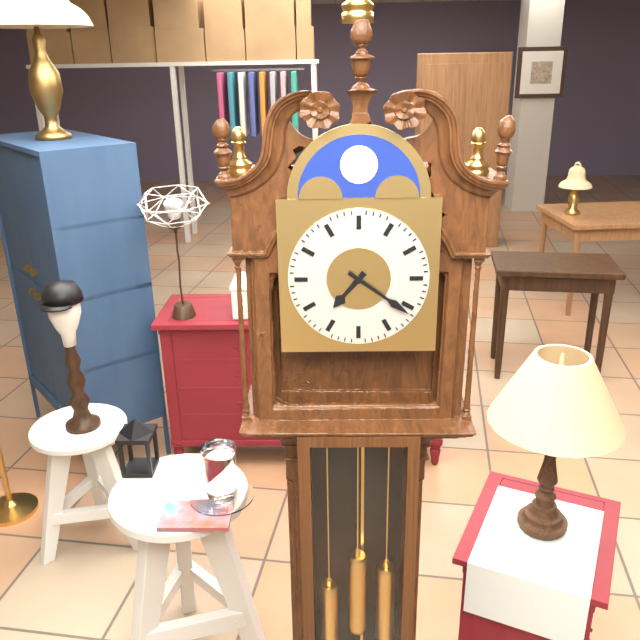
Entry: 7:21
